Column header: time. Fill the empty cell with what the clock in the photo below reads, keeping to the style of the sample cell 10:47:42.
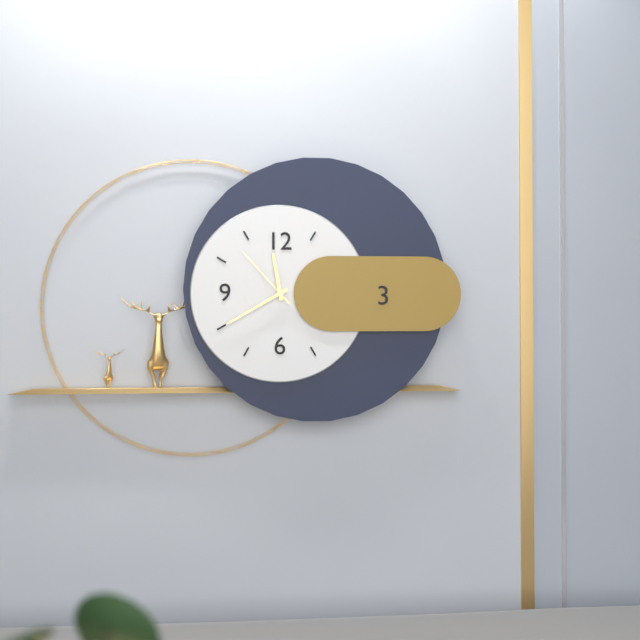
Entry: 11:40:53
